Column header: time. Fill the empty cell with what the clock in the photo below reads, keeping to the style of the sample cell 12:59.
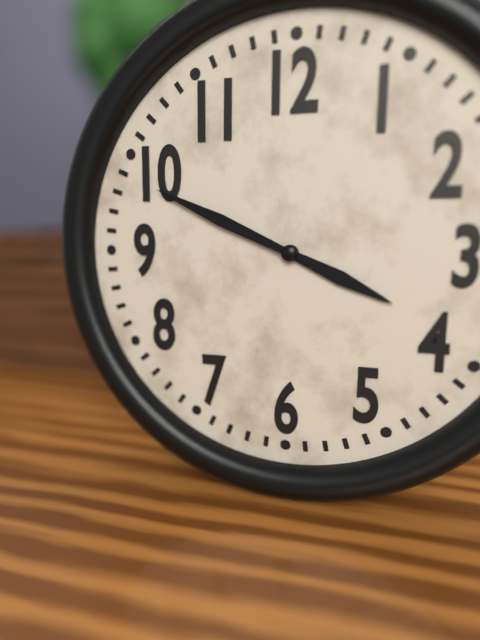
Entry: 3:49
